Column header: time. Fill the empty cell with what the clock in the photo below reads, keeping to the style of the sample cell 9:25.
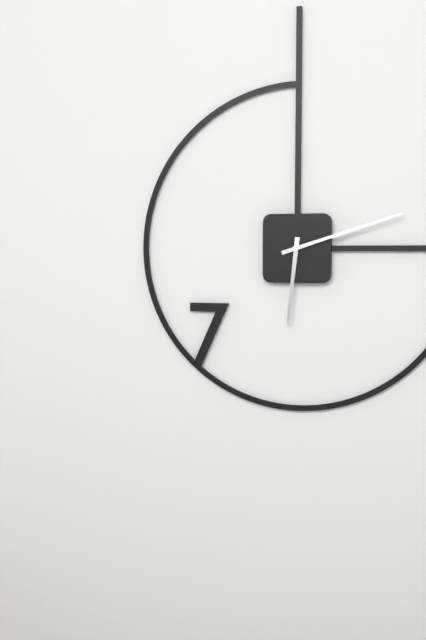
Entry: 6:12
